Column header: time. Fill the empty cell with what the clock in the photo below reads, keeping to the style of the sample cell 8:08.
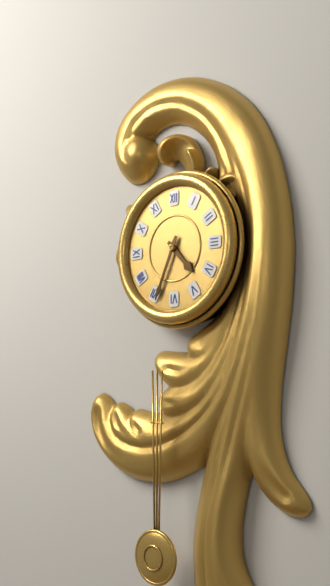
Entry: 4:34
